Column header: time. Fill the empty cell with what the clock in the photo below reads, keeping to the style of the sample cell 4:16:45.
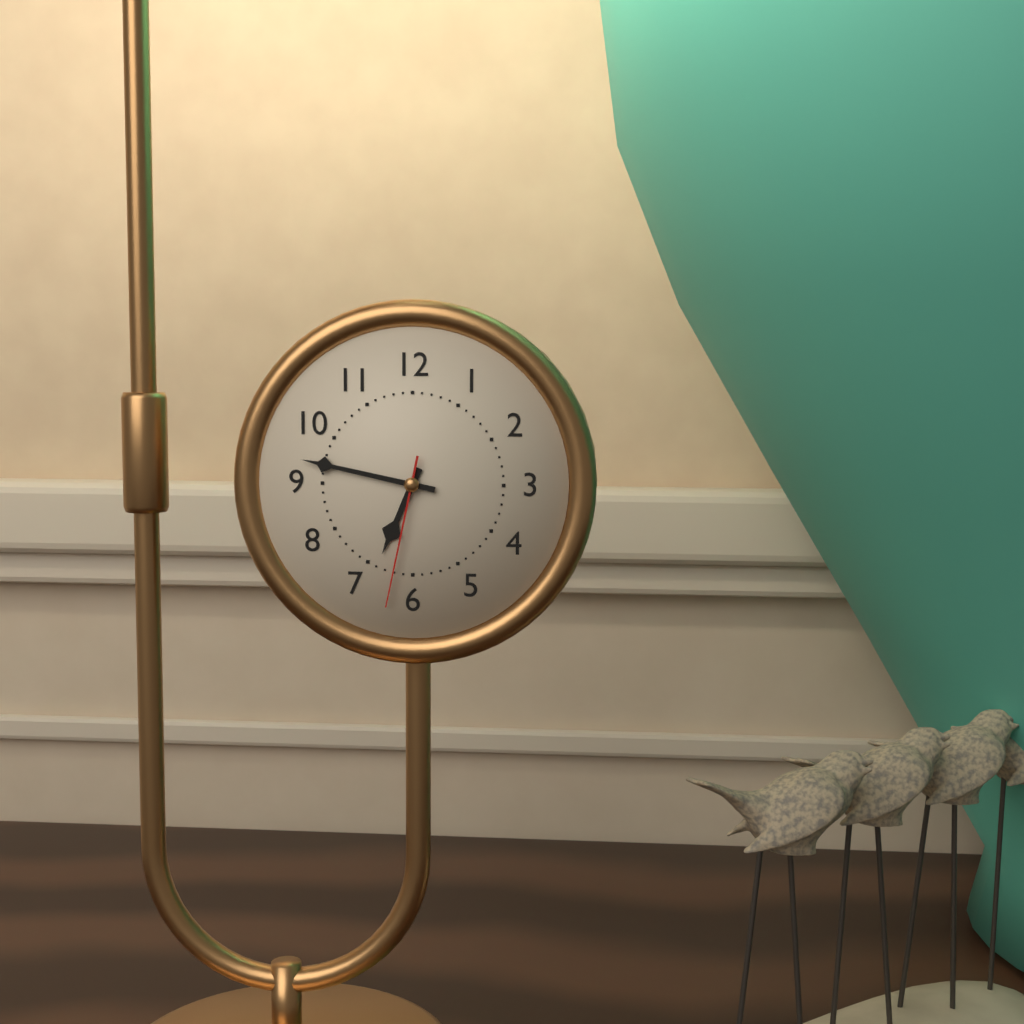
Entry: 6:47:32
